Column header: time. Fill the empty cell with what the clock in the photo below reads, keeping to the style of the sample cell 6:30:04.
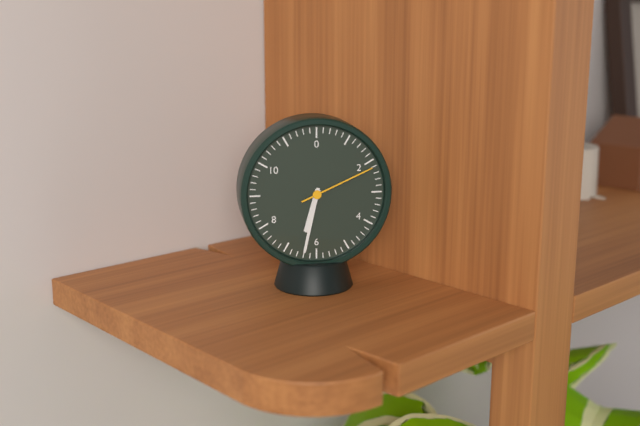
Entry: 6:32:11
